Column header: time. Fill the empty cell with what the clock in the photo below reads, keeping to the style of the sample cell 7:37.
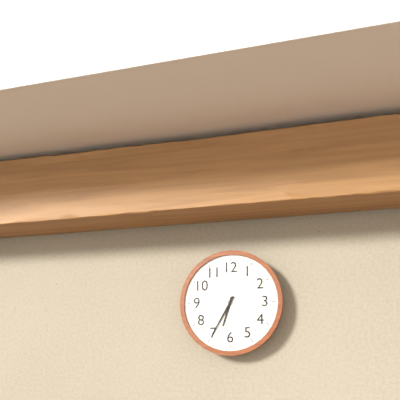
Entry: 6:35
